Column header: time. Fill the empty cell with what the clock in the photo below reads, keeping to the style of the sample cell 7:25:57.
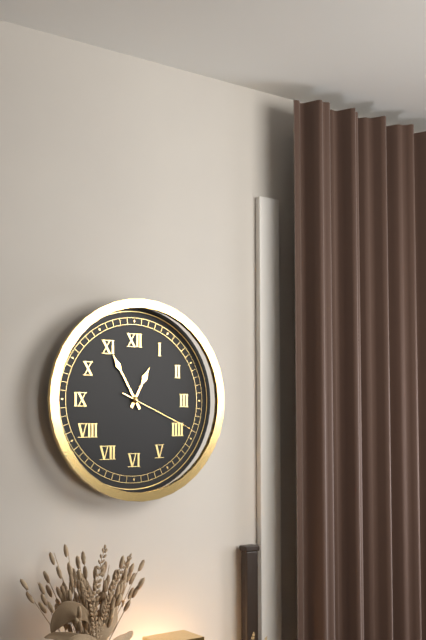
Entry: 12:55:19
